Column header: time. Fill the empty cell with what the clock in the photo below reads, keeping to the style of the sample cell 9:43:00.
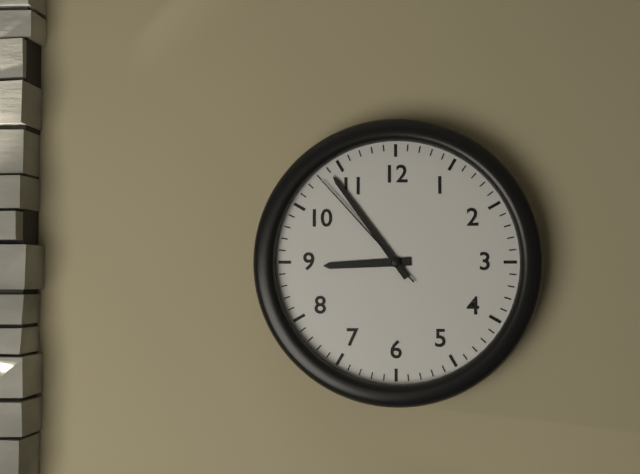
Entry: 8:54:53
